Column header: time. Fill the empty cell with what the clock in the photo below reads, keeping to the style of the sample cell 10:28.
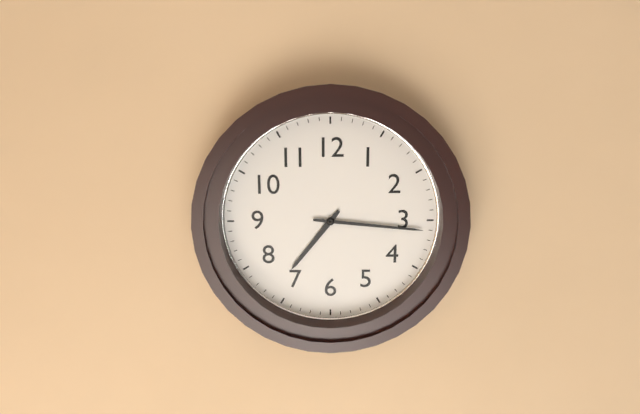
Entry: 7:16
